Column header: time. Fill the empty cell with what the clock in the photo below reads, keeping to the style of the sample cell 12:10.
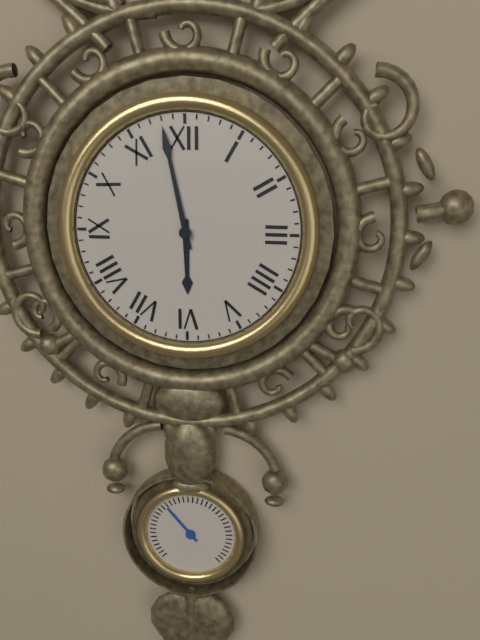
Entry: 5:58
